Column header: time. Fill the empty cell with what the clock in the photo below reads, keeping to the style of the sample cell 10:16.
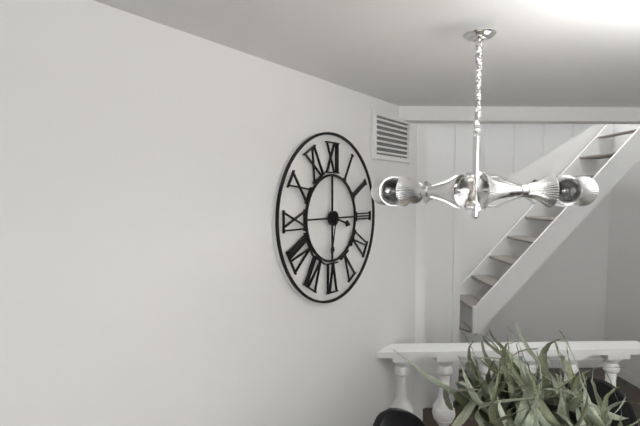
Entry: 3:32
